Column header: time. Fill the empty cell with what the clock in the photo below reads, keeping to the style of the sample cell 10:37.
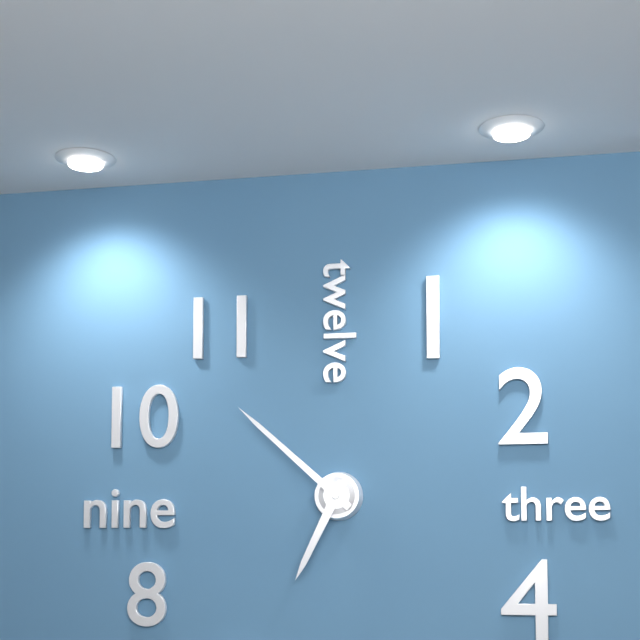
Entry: 6:52
